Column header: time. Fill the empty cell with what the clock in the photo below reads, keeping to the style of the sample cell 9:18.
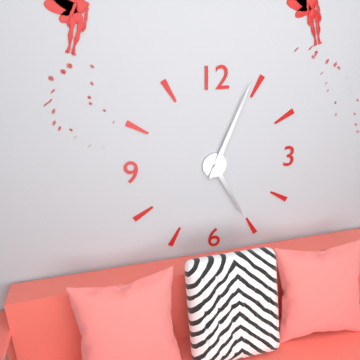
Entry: 5:04
